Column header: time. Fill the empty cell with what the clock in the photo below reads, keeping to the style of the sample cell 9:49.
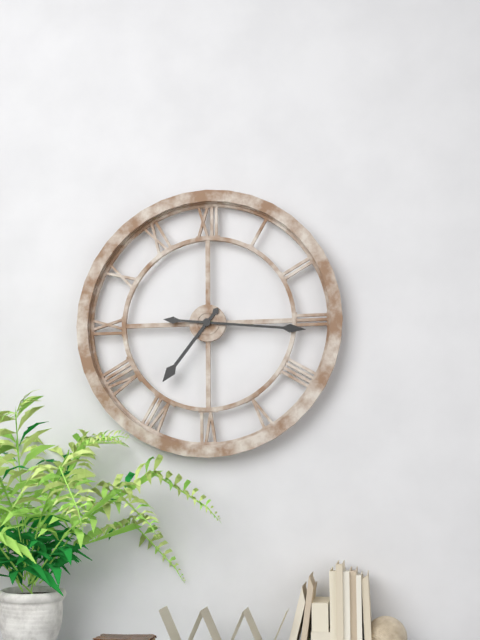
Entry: 7:16
